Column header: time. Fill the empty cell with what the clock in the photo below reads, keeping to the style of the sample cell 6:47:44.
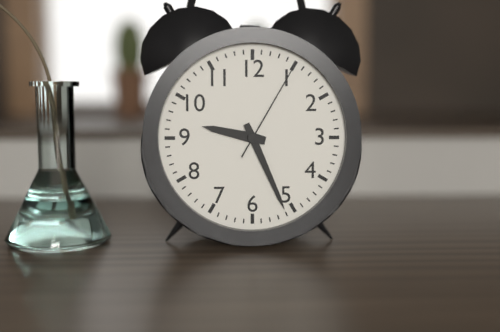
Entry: 9:26:05
